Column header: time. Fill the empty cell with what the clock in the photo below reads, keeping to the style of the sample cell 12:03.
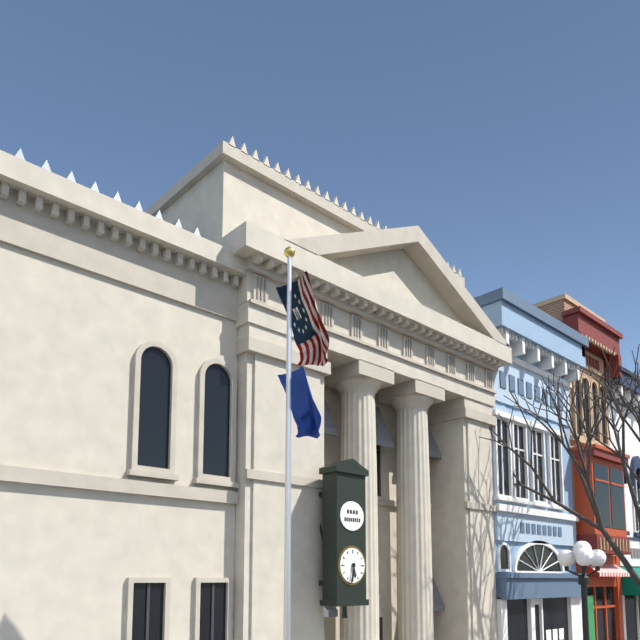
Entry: 5:32
